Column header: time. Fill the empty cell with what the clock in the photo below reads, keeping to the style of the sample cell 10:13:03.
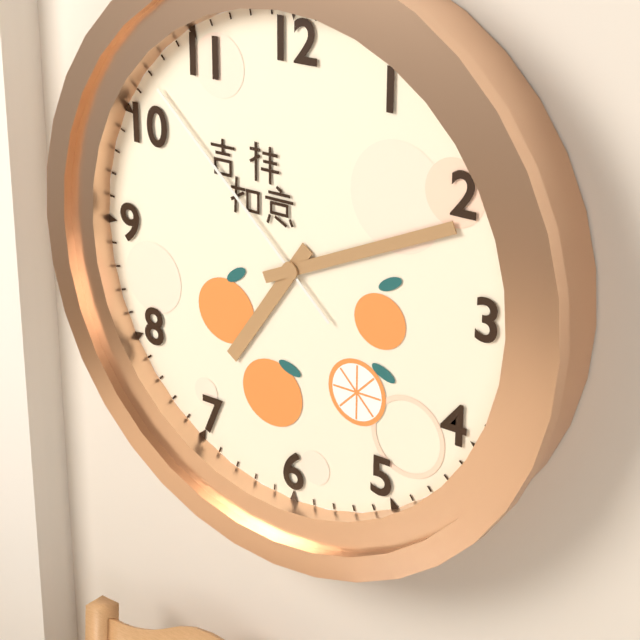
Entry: 7:11:52
